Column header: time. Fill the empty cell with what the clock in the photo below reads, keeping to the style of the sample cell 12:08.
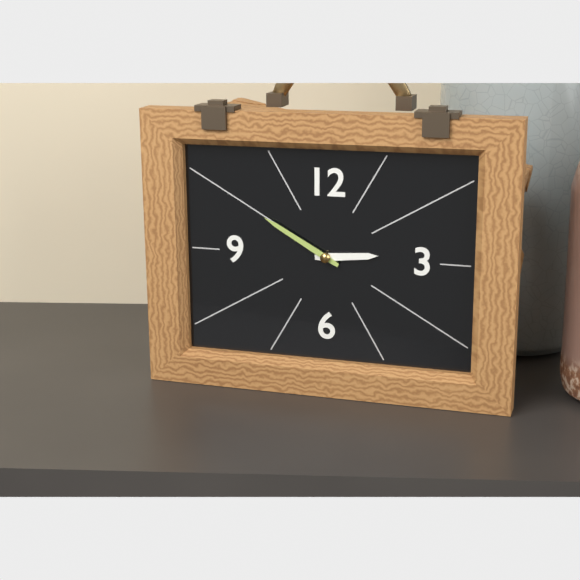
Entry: 2:50
